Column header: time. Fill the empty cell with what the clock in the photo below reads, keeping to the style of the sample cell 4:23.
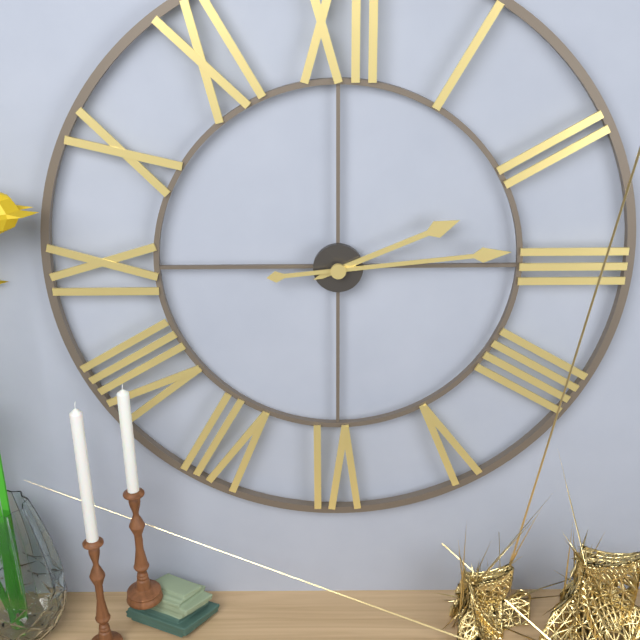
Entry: 2:14
